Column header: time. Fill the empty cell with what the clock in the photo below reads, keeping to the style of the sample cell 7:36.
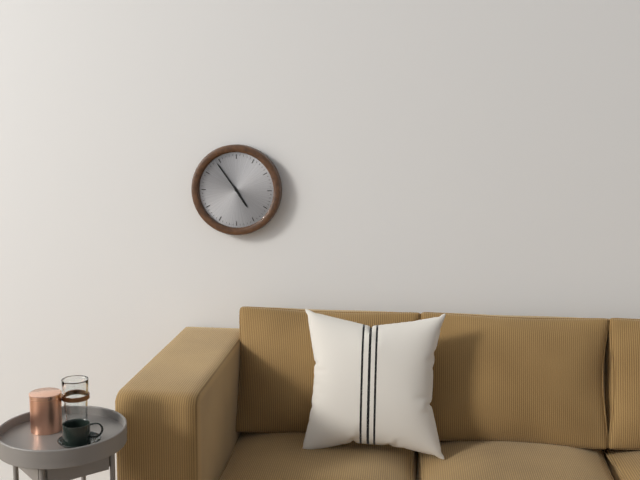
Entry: 4:54
